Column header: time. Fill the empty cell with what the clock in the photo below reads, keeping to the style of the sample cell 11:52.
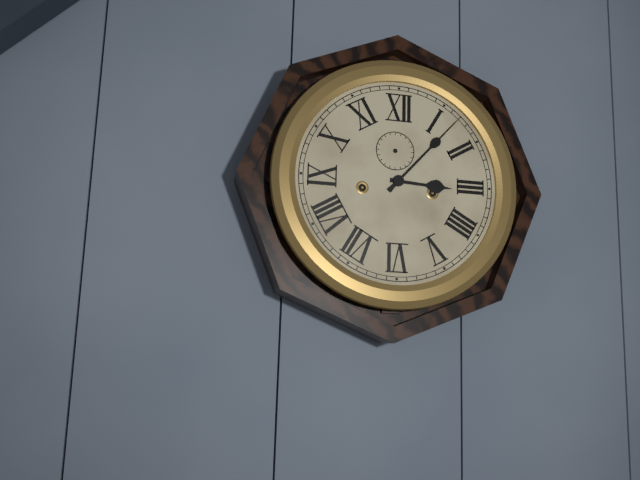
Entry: 3:07
